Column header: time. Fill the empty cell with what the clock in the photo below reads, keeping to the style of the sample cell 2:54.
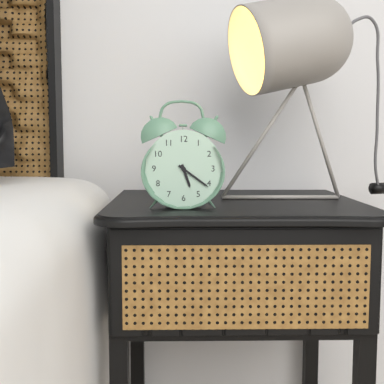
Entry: 5:21
